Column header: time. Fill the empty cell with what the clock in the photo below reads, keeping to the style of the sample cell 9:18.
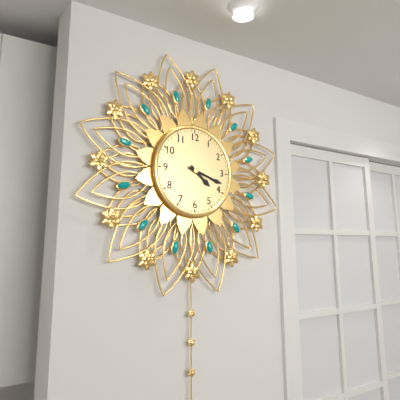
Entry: 4:18
